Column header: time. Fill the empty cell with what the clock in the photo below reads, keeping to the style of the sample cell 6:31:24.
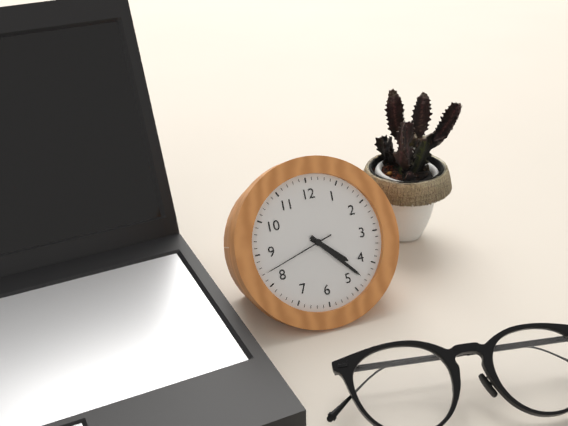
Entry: 4:23:42
